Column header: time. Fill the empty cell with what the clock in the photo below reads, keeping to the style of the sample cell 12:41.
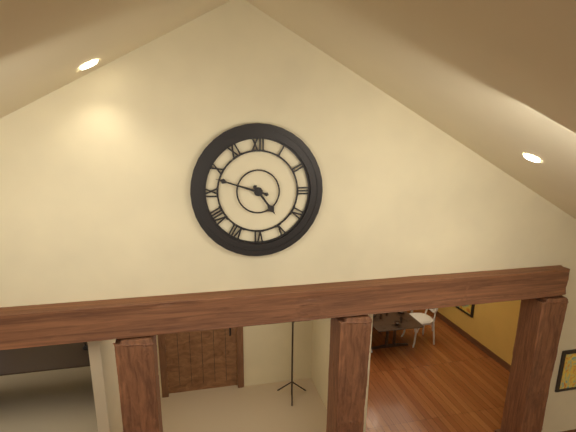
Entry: 4:48
